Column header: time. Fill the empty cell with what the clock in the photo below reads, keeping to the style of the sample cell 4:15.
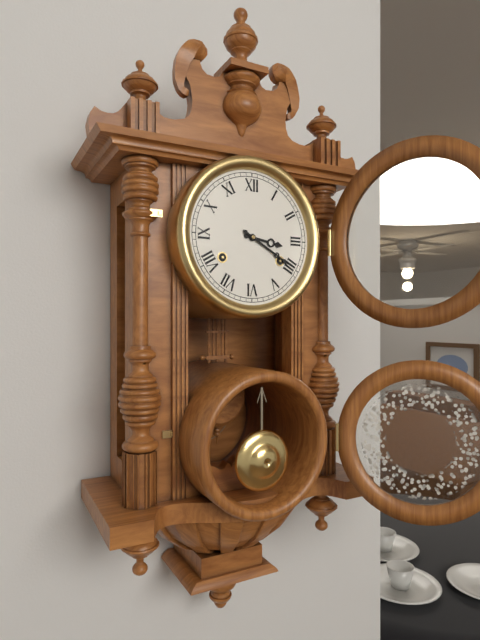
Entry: 3:20
